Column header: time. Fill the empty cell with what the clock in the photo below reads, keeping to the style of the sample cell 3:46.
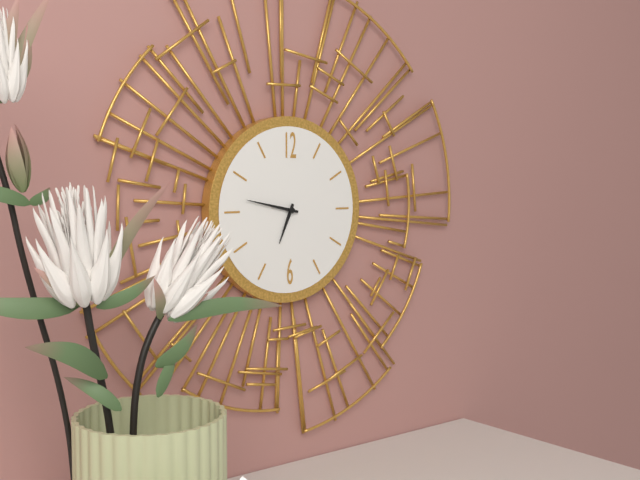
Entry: 6:47
